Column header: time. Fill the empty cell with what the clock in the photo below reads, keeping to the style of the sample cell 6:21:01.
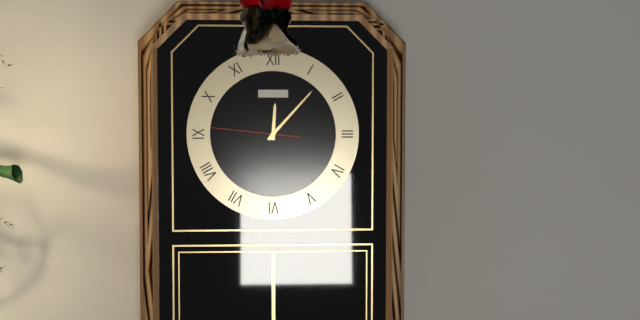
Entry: 12:07:46
